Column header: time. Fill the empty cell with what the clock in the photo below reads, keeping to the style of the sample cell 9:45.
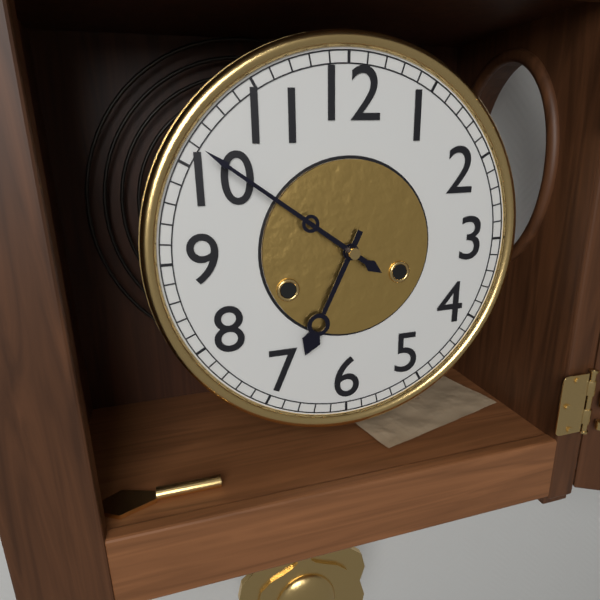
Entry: 6:51
